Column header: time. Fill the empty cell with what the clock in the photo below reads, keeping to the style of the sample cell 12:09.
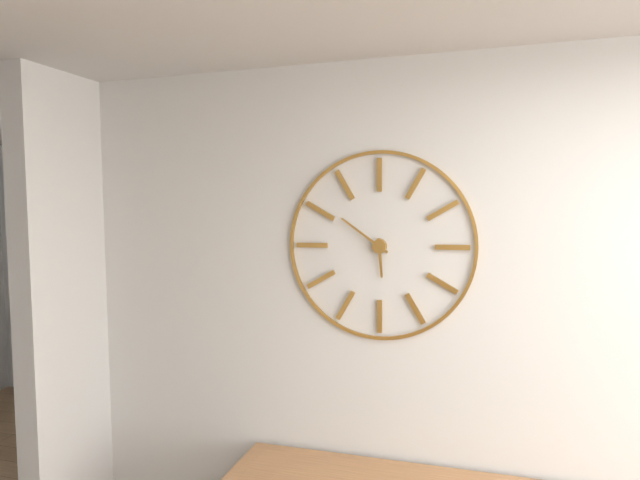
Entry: 5:51
